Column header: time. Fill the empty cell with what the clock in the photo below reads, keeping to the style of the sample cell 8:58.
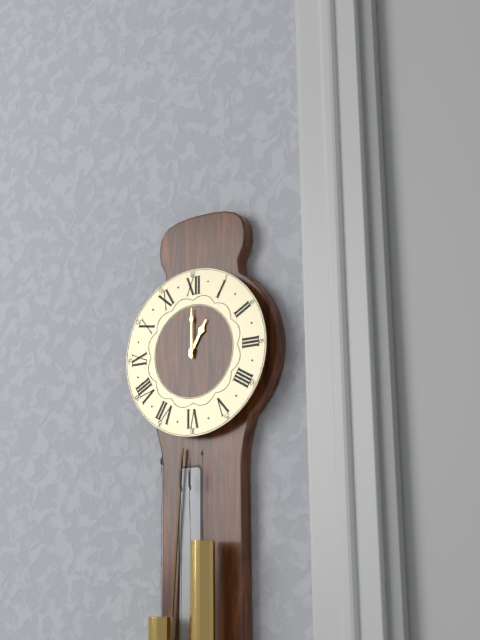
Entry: 1:00
